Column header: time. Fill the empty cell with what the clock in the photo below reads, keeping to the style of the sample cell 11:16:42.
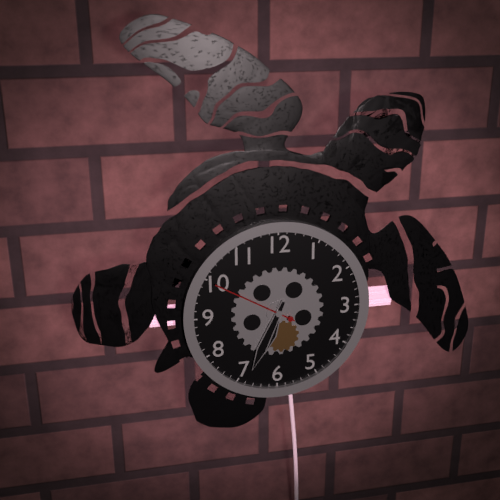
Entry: 6:34:50
